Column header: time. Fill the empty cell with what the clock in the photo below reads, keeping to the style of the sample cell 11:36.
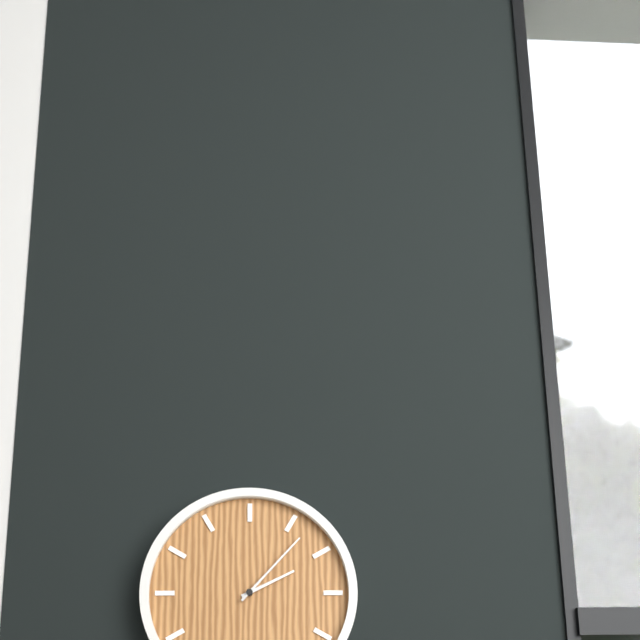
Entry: 2:07
